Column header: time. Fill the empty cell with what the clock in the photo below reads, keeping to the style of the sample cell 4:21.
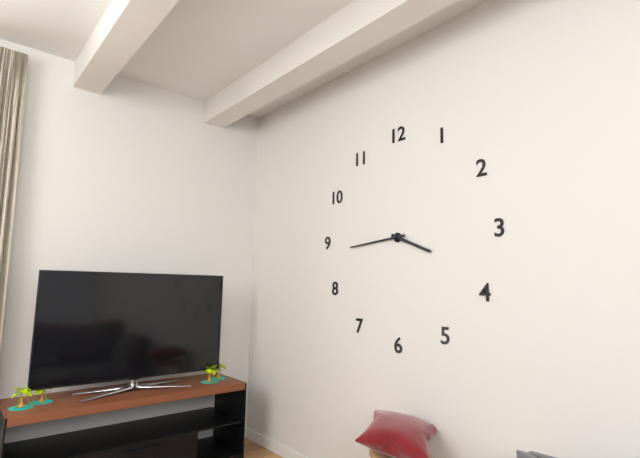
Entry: 3:44
